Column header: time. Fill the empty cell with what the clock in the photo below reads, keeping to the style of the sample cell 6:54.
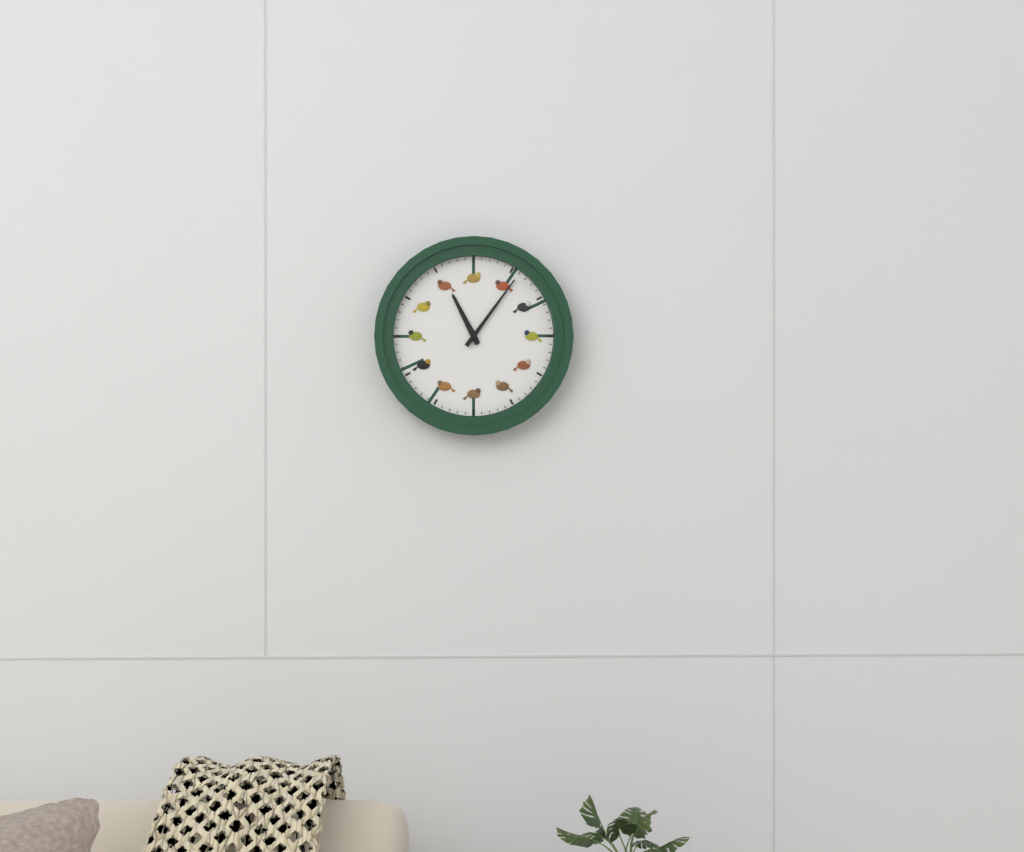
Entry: 11:06
